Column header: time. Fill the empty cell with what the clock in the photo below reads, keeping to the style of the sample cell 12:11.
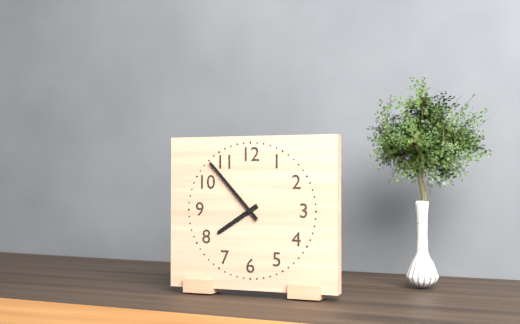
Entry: 7:53
